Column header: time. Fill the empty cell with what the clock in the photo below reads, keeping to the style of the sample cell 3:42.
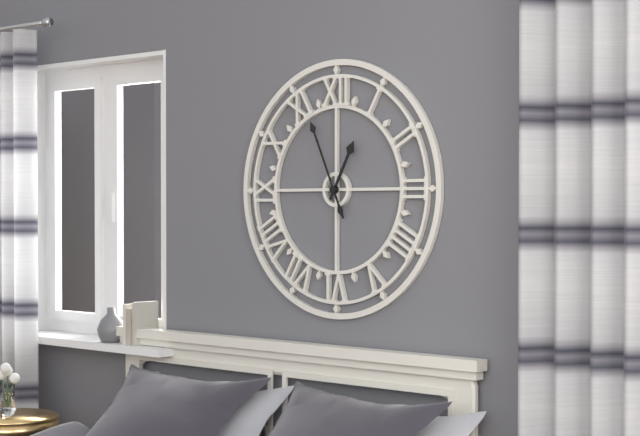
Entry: 12:56
